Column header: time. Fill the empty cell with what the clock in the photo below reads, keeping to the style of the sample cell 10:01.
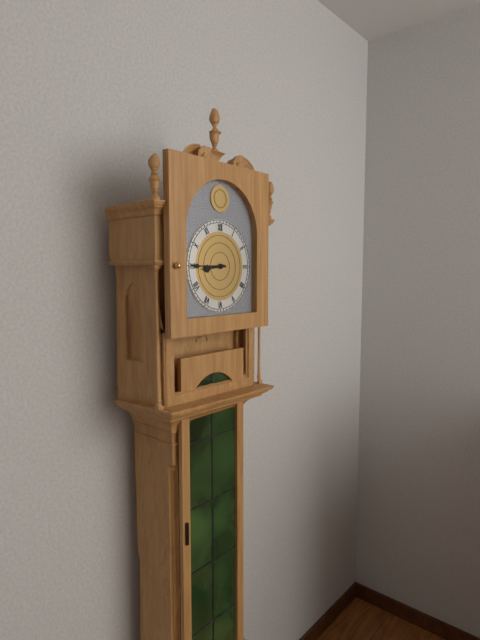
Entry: 8:45
